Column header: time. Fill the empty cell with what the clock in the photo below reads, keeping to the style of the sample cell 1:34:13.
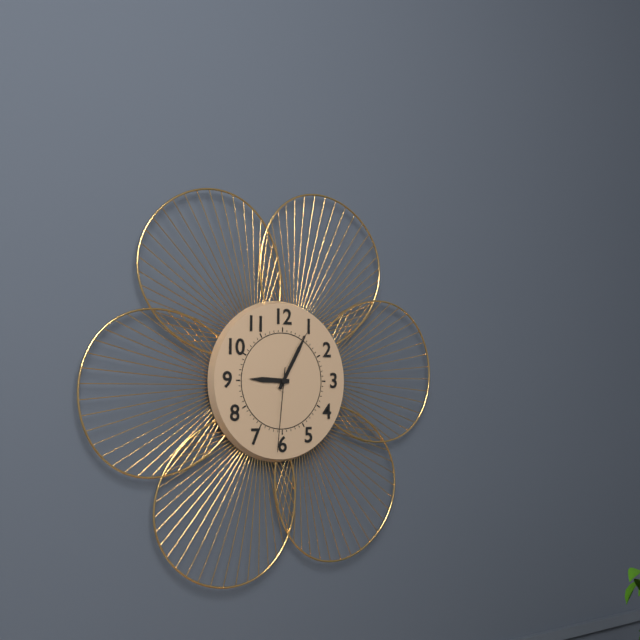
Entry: 9:05:31
